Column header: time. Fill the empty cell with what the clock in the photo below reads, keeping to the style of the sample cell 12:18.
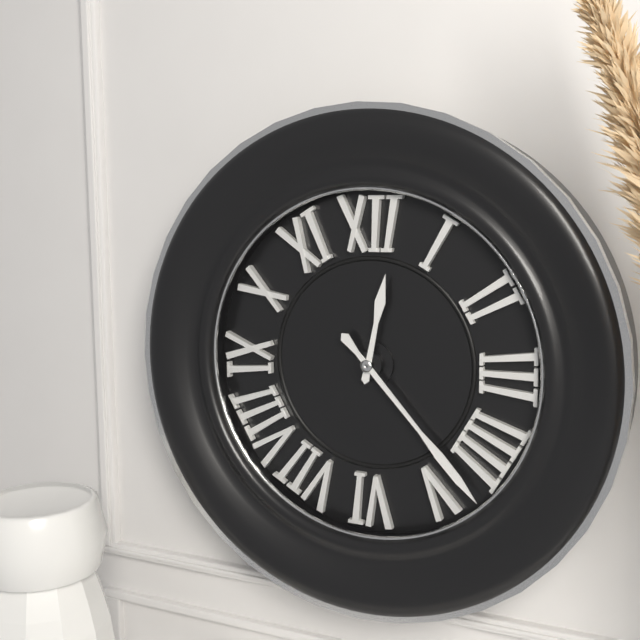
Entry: 12:23
